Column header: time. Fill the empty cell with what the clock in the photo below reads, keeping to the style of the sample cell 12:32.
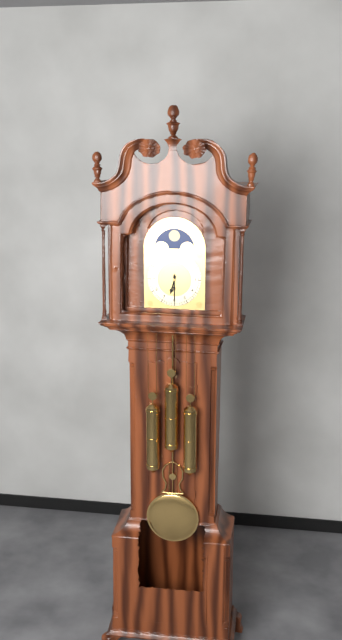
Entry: 6:30
